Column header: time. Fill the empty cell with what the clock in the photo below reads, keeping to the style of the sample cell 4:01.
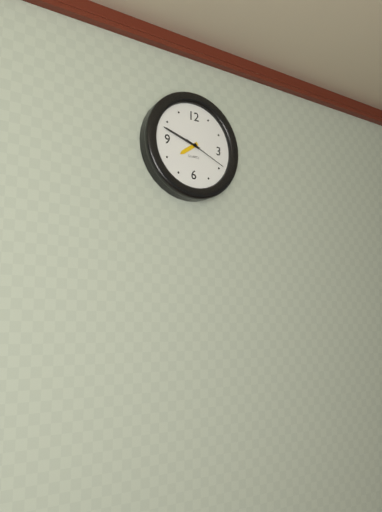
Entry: 7:48
